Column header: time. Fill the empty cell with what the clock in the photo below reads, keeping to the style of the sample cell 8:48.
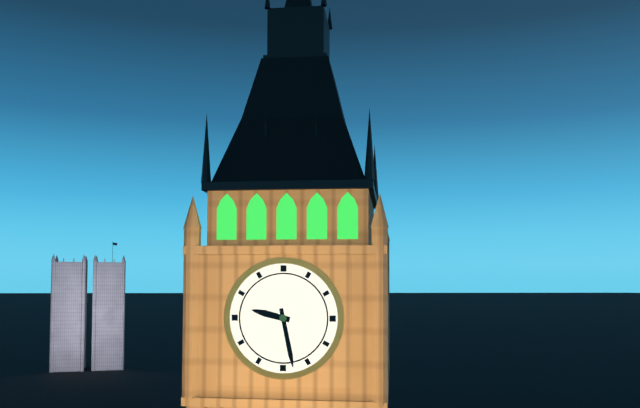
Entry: 9:28
